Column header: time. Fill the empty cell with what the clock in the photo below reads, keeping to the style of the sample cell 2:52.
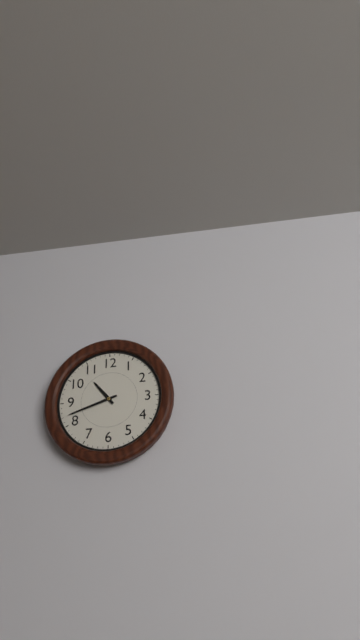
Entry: 10:42
